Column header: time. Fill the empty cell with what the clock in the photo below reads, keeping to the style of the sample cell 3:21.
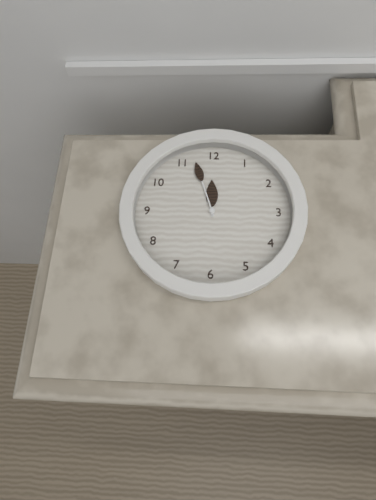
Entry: 11:57
